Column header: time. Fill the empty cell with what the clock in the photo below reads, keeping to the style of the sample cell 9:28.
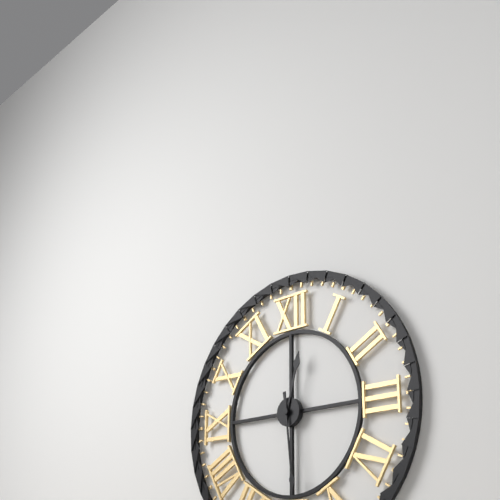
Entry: 12:29
